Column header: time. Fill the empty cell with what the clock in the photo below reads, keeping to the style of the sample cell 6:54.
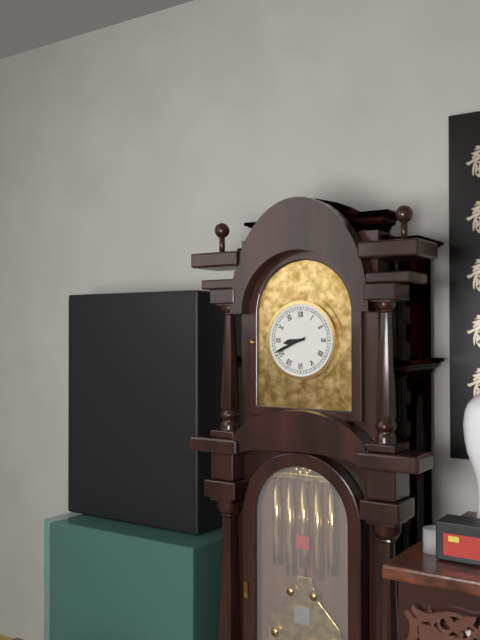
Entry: 8:41
